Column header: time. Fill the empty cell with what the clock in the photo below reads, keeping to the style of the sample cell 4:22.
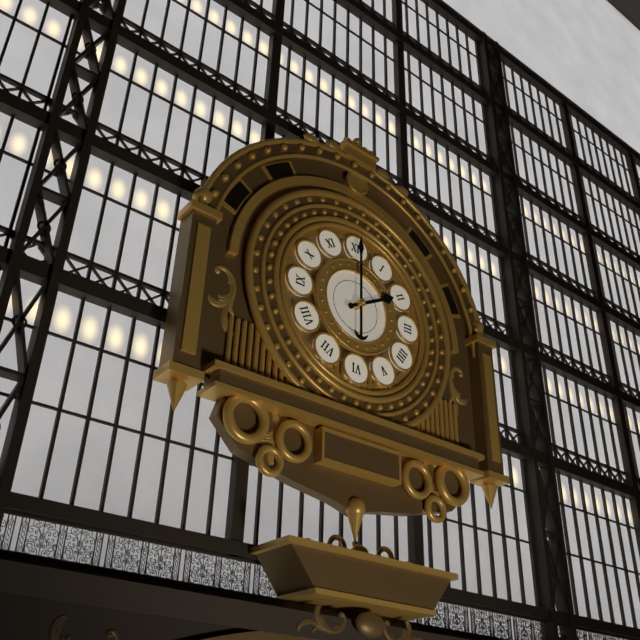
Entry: 2:00
